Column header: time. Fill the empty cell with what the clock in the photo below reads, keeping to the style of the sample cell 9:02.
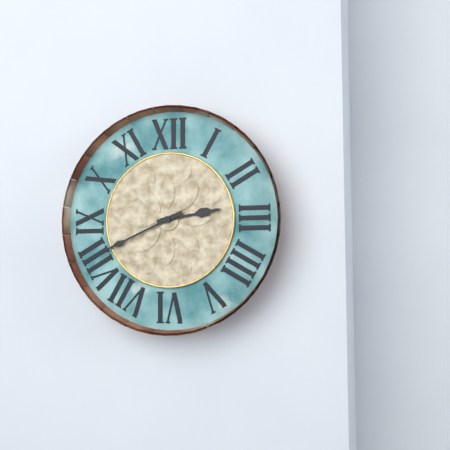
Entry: 2:41
